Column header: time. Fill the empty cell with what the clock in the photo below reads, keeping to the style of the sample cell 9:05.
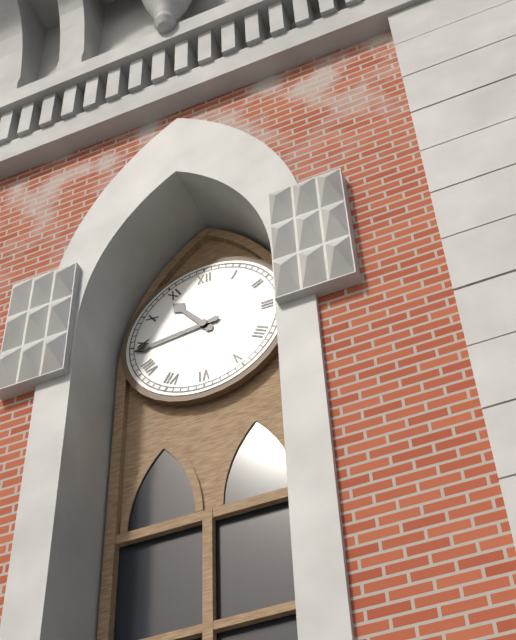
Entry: 10:44
